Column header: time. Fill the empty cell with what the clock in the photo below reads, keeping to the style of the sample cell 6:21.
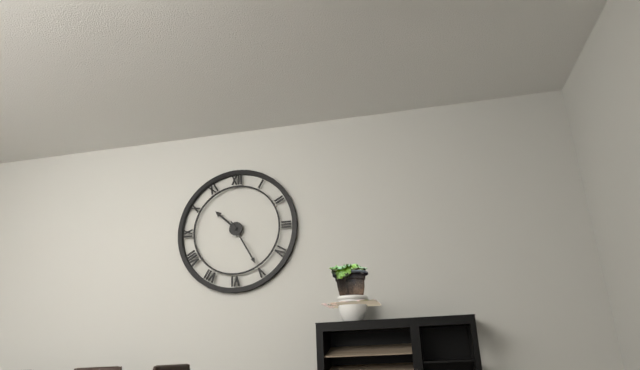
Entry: 10:25
